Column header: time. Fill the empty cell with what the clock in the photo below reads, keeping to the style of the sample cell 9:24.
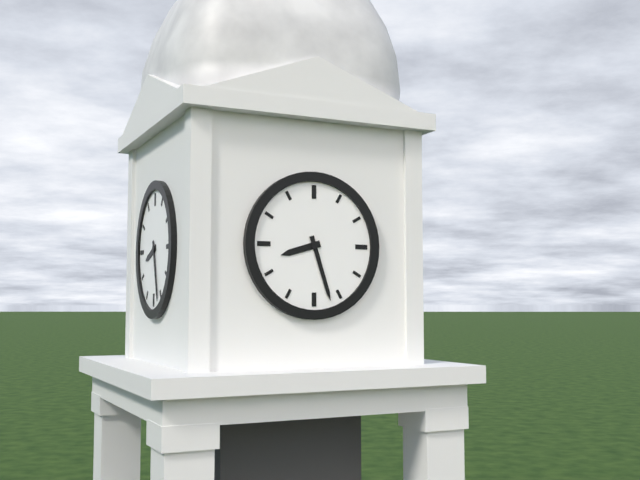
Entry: 8:27
